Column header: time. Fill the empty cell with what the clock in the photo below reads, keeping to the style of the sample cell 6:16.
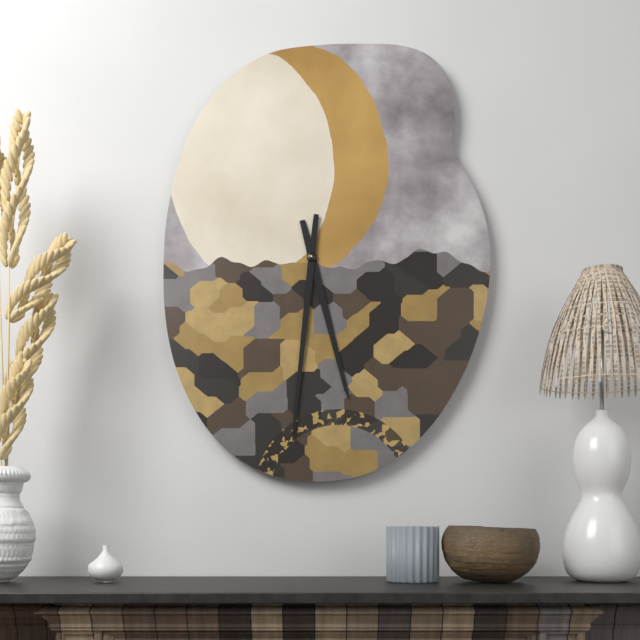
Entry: 5:31
